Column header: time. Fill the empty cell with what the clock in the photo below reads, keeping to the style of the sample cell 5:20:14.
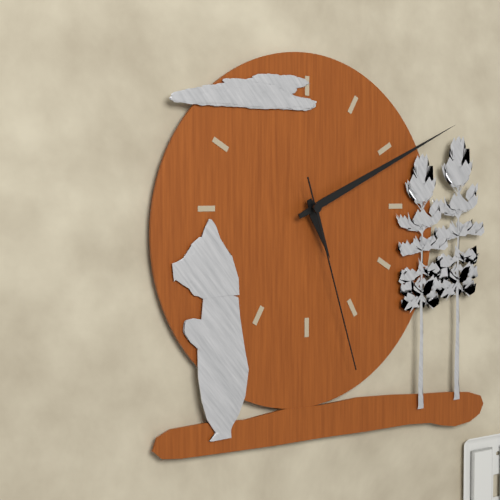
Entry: 5:11:27
